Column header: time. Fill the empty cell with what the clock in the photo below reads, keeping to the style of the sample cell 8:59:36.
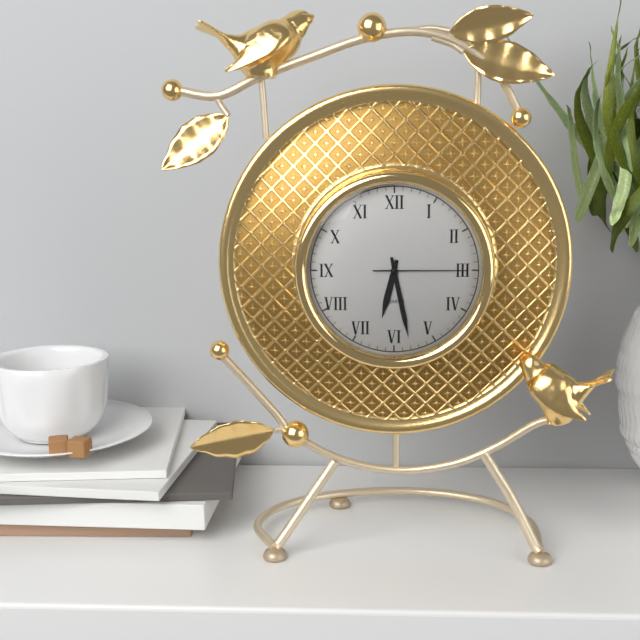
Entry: 6:28:15
